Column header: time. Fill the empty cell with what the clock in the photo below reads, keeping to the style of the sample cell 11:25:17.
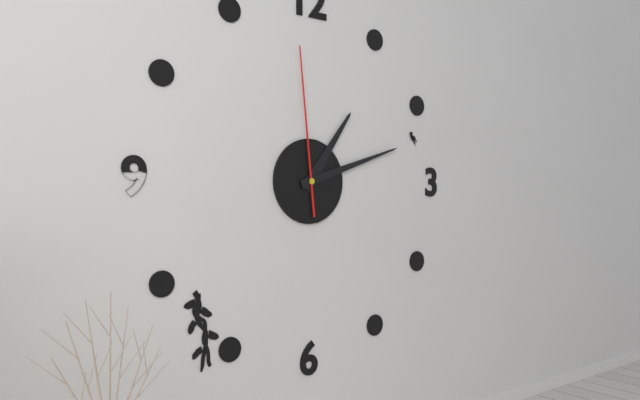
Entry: 1:12:59
